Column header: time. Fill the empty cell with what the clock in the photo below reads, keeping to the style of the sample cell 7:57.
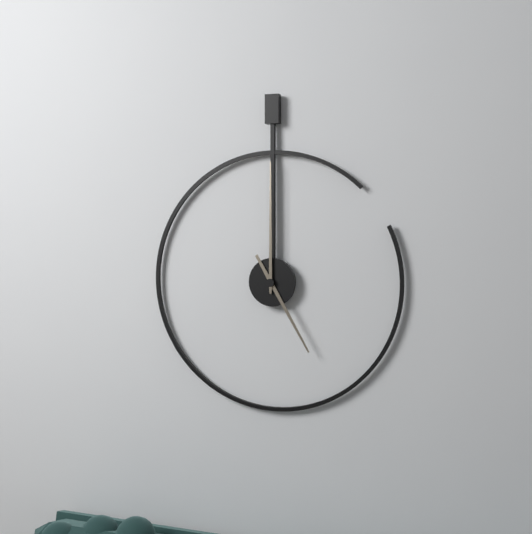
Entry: 5:00
